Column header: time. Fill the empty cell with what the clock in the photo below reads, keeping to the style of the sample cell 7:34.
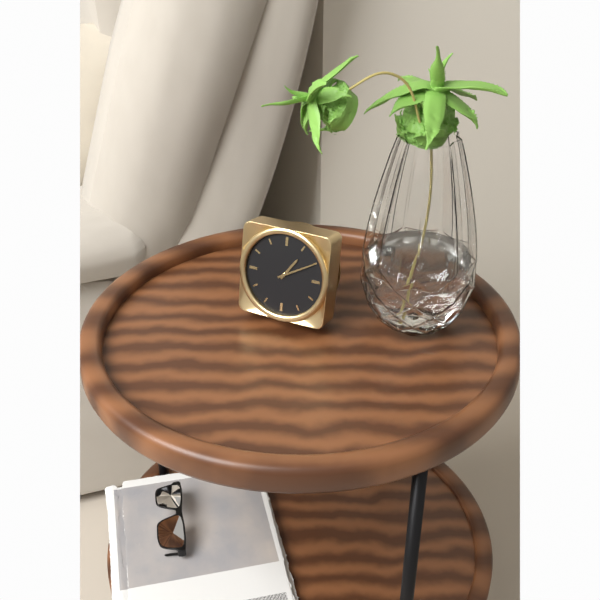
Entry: 1:10
